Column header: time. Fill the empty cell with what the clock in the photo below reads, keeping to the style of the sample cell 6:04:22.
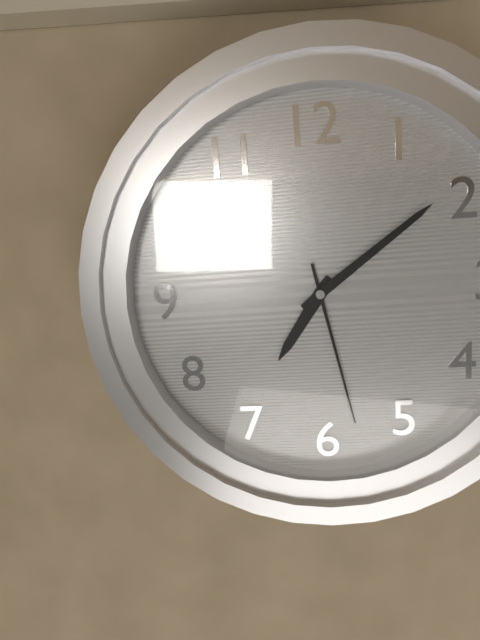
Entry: 7:09:28
